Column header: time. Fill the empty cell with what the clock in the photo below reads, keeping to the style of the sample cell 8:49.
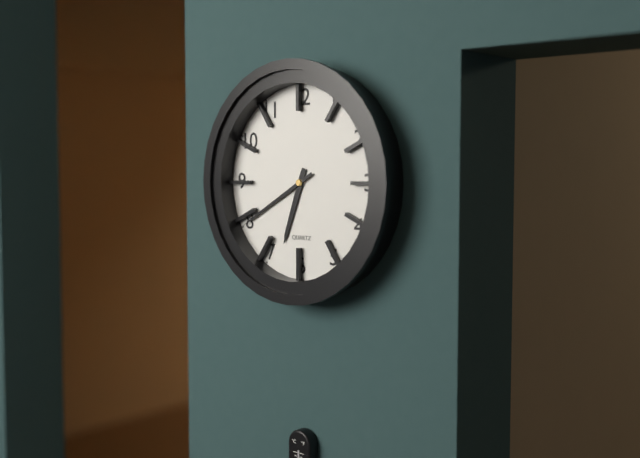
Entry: 6:40
